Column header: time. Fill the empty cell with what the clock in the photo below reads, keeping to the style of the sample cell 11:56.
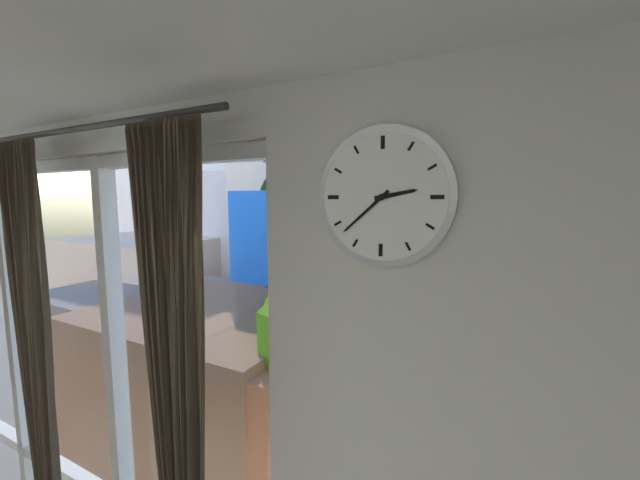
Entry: 2:38
